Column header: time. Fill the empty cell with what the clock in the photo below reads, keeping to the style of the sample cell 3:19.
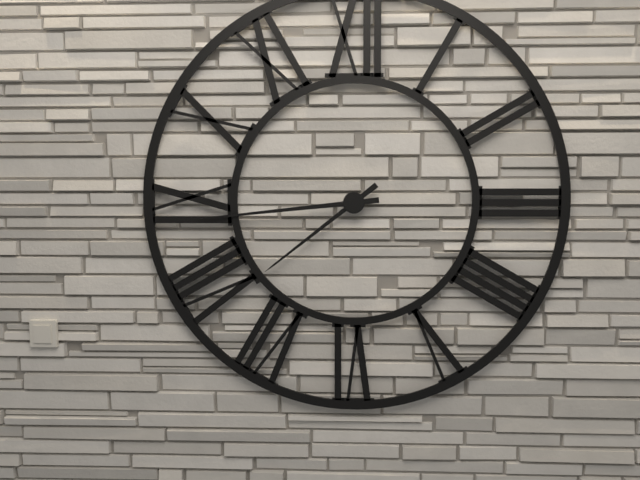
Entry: 7:44
